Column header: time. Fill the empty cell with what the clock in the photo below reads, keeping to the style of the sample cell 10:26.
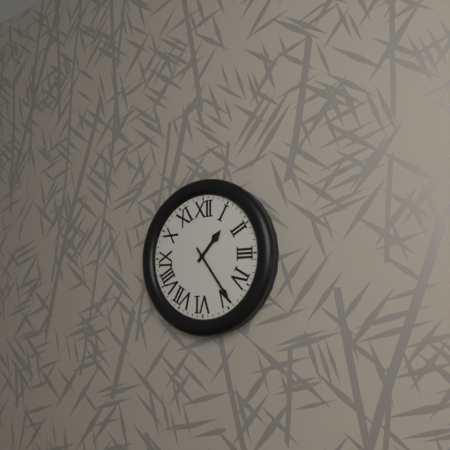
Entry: 1:24
